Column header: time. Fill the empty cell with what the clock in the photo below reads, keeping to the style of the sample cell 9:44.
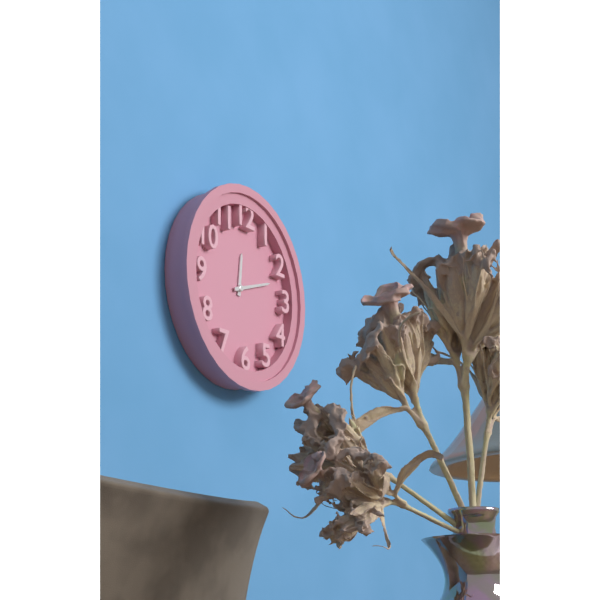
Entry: 12:12
